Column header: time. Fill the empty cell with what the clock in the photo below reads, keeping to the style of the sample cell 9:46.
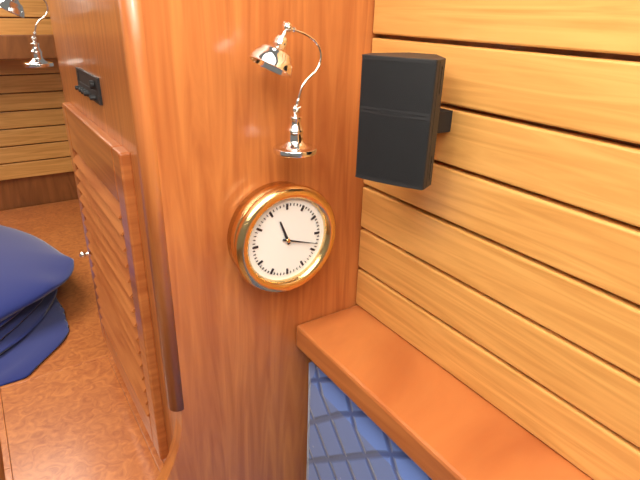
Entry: 11:18
